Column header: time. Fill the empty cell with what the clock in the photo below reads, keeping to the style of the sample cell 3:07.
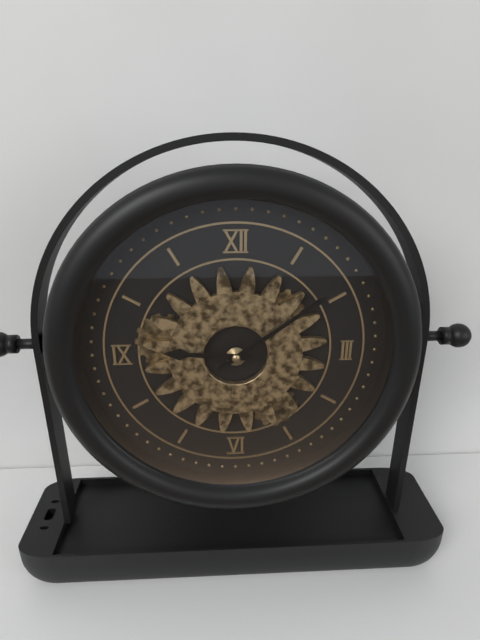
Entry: 9:09
